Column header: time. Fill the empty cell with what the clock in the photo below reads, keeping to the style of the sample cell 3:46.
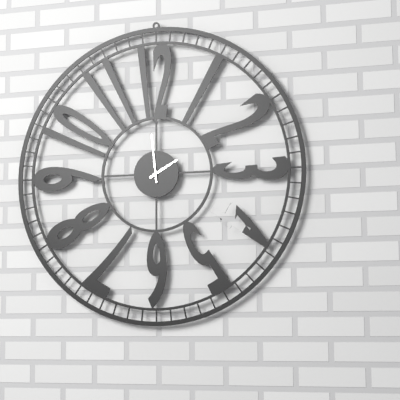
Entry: 1:59
